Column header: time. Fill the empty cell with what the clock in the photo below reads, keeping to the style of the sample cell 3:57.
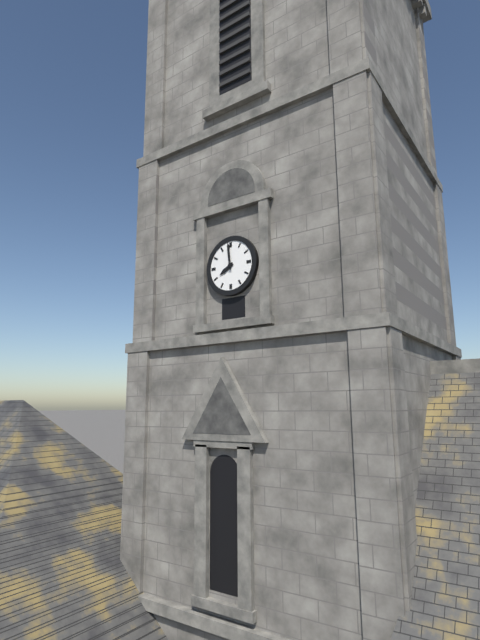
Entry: 7:59
